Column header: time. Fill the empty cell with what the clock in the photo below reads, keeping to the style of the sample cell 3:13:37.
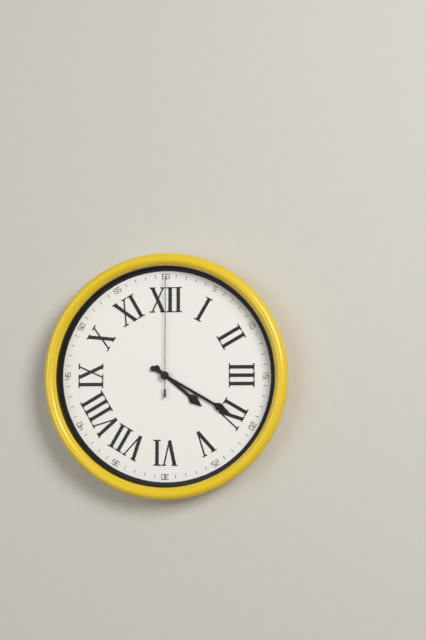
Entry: 4:20:00
